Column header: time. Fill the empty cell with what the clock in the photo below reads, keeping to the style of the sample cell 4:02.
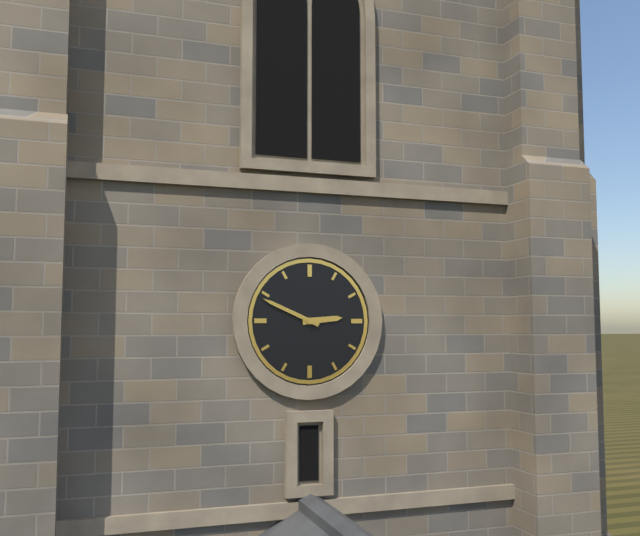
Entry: 2:49
